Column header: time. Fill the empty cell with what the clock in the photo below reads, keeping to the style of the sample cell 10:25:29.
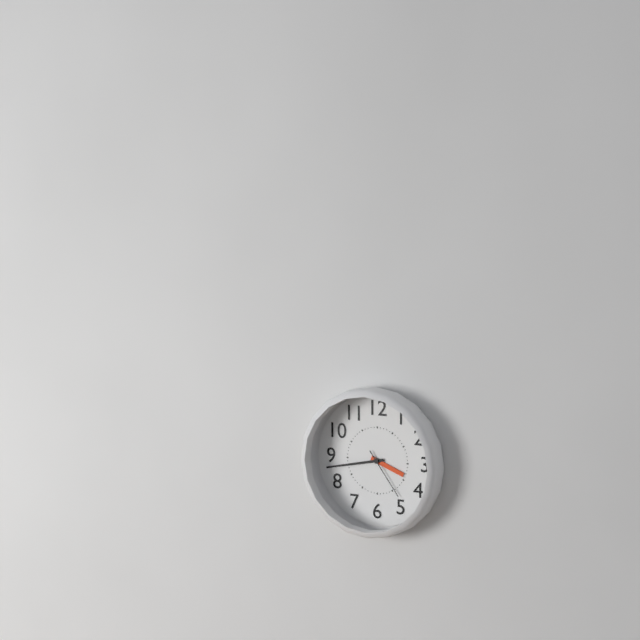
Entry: 3:43:24
